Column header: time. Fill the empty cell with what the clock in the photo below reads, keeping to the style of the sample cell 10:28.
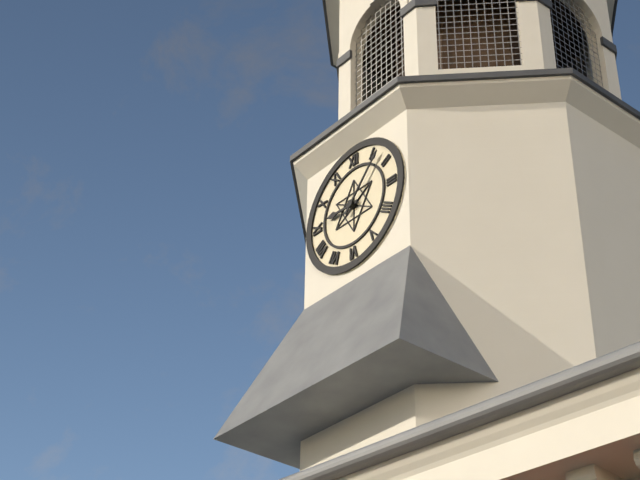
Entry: 9:07
